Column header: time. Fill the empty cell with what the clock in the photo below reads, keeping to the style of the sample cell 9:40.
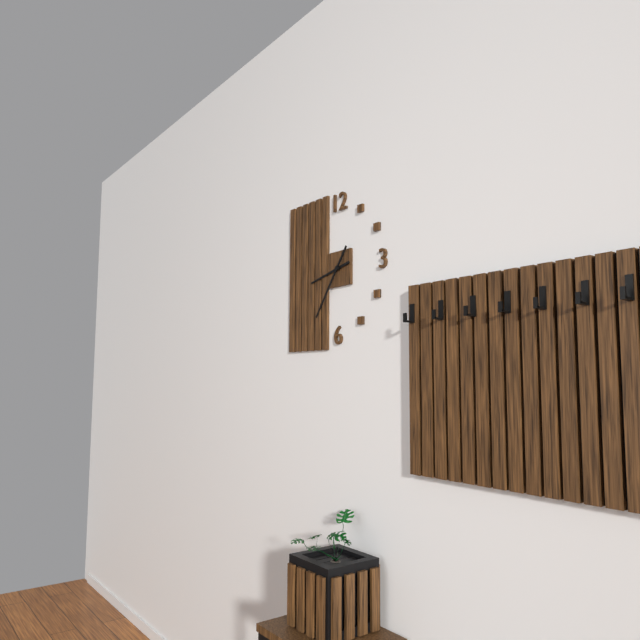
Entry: 8:36
